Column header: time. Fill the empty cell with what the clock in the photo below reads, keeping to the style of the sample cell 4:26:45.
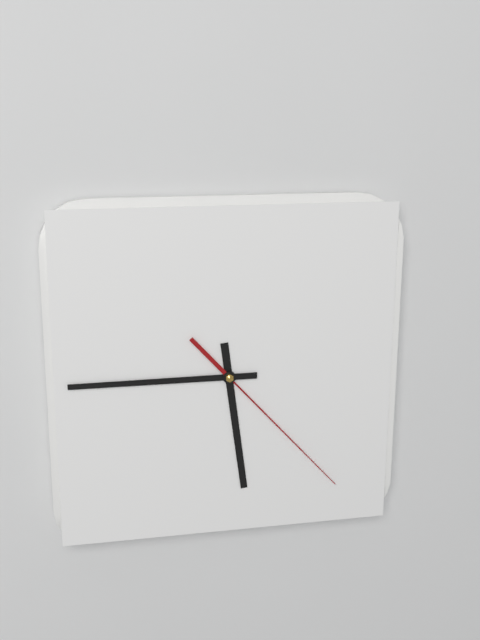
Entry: 5:45:23
